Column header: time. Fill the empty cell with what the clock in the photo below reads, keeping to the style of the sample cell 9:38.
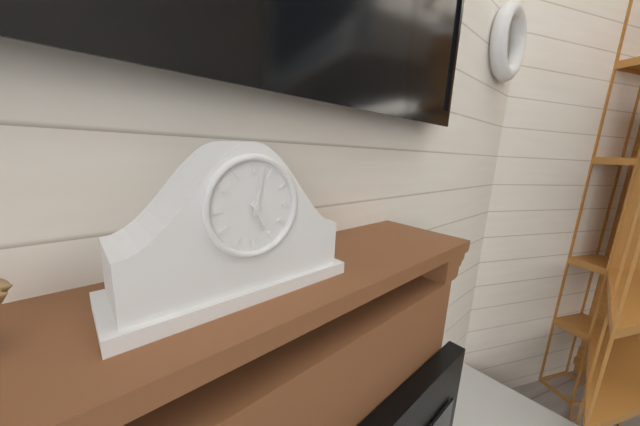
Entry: 5:02
